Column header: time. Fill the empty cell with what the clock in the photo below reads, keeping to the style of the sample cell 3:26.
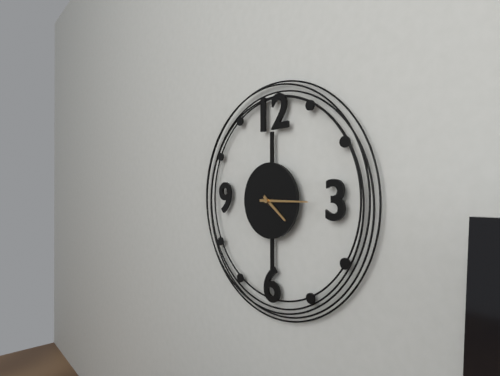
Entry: 4:15
